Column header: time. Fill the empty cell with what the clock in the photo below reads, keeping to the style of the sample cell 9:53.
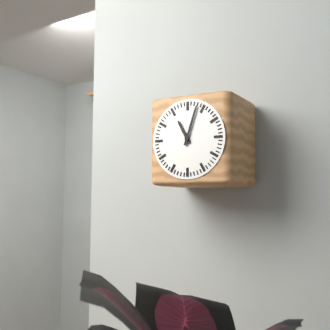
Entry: 11:03
